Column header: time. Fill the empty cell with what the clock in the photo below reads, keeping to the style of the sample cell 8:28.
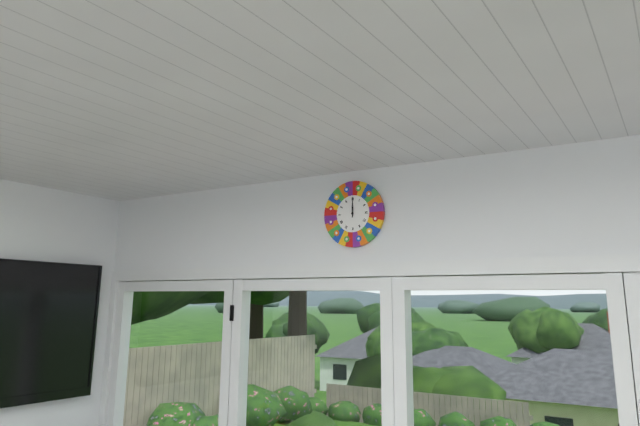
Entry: 12:00
